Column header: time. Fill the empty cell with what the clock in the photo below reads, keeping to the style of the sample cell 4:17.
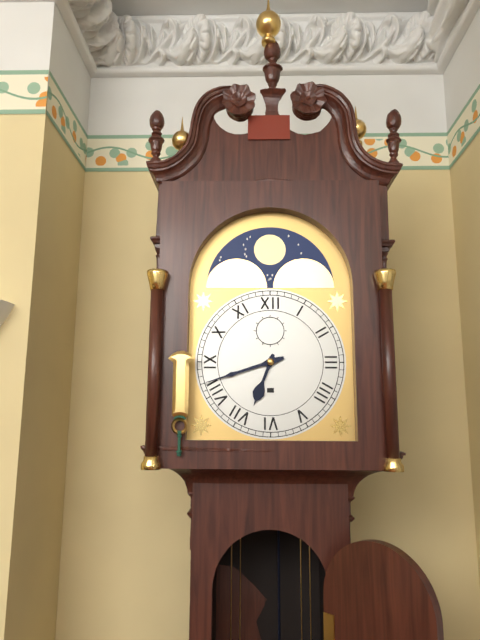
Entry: 6:42
